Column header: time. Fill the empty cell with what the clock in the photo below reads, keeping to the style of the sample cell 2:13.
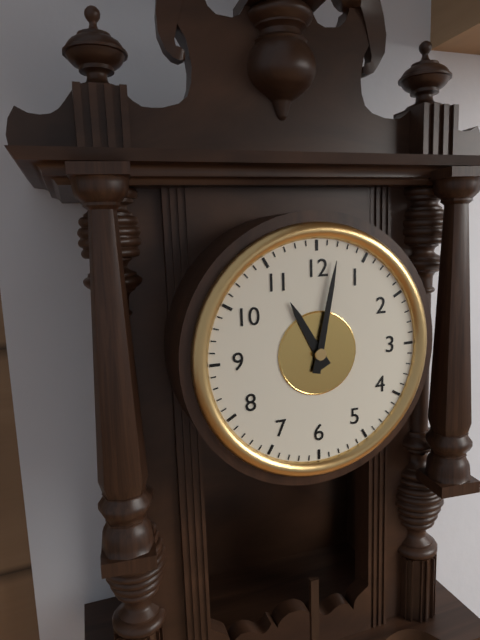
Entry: 11:02
